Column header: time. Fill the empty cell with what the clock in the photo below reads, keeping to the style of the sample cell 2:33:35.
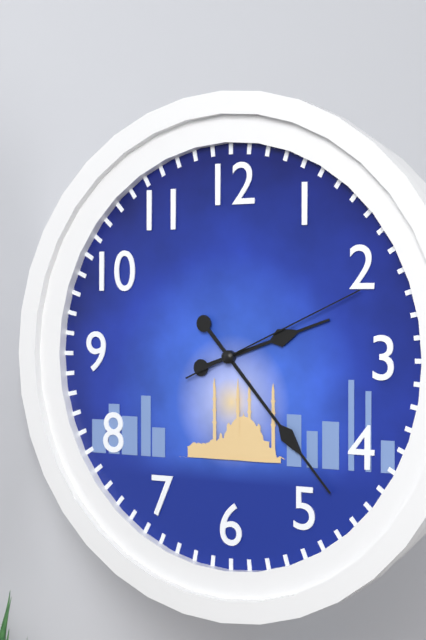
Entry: 2:23:11
